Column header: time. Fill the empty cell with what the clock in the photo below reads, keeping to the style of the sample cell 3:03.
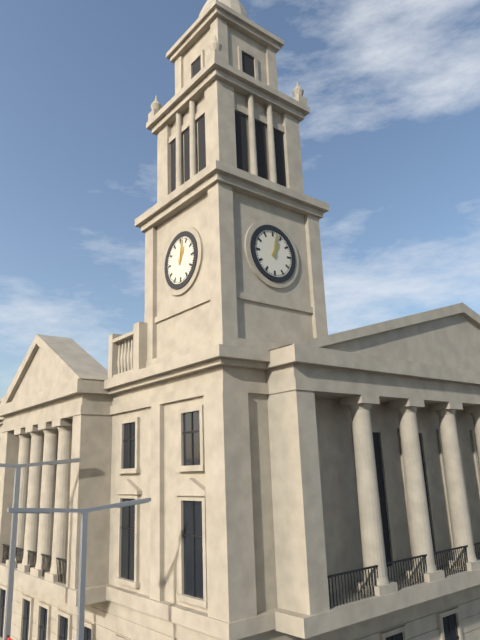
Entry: 1:02
